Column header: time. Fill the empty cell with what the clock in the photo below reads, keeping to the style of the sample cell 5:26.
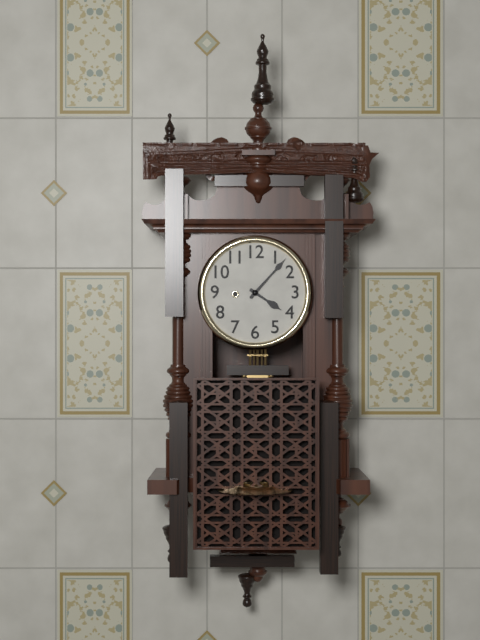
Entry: 4:07
